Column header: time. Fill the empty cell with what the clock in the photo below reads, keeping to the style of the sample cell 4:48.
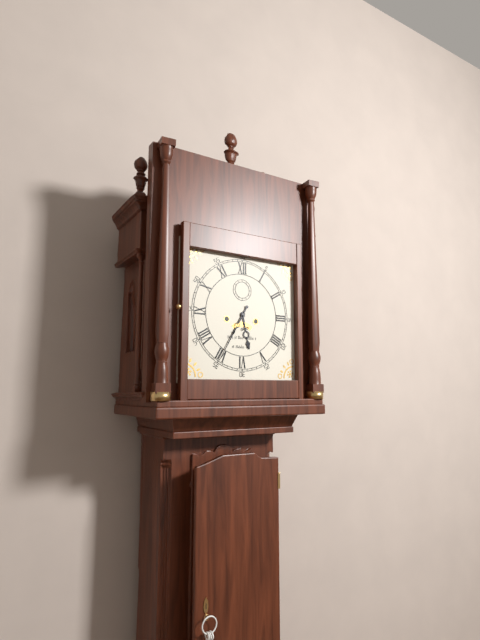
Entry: 5:35
